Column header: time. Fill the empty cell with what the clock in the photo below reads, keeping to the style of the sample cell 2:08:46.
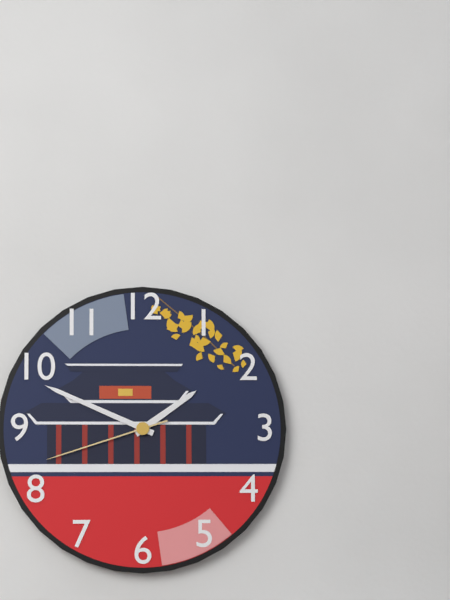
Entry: 1:49:42
